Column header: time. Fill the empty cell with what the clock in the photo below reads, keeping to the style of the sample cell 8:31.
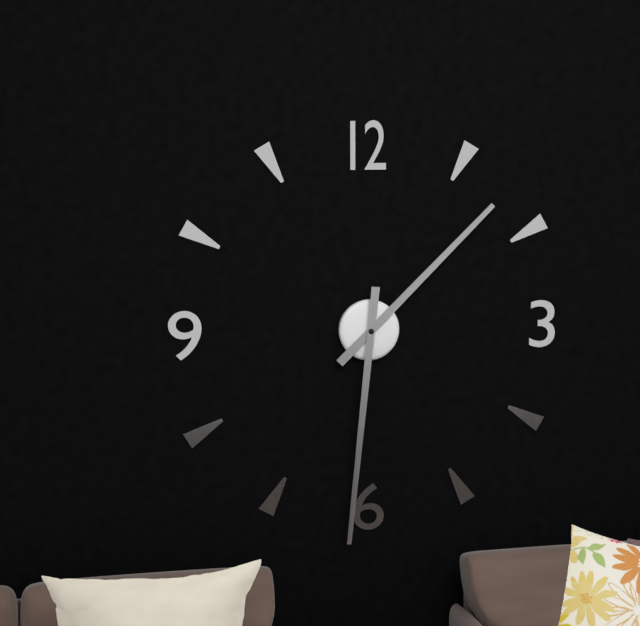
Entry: 1:31
